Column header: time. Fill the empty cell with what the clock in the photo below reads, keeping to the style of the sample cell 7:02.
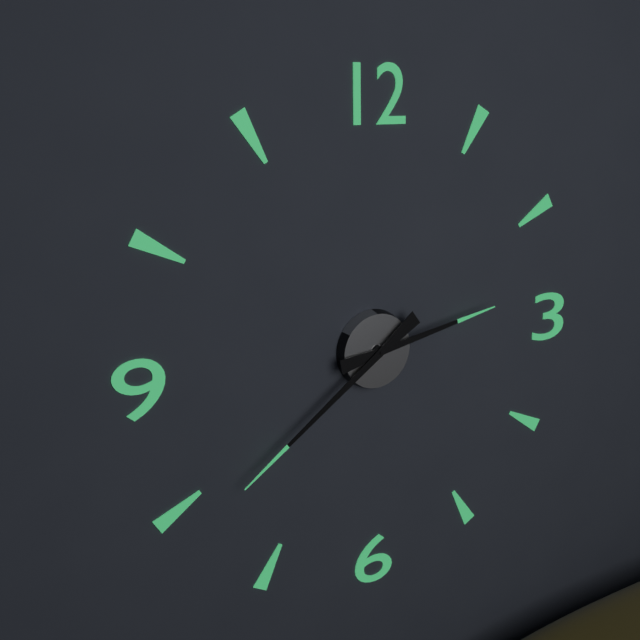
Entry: 2:39
